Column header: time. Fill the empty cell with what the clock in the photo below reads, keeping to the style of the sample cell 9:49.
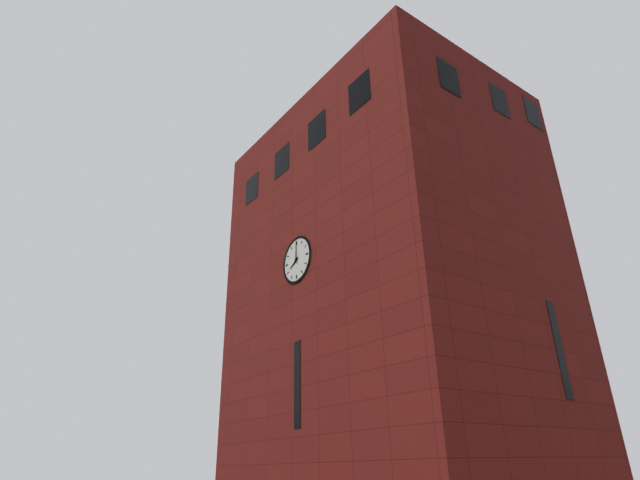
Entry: 8:00
